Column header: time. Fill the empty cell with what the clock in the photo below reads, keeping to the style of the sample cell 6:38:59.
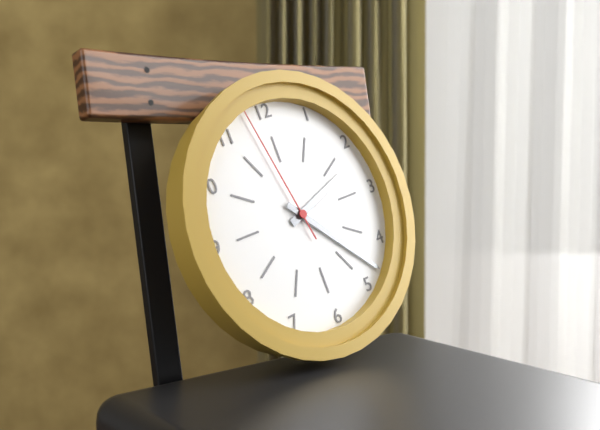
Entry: 2:23:58
